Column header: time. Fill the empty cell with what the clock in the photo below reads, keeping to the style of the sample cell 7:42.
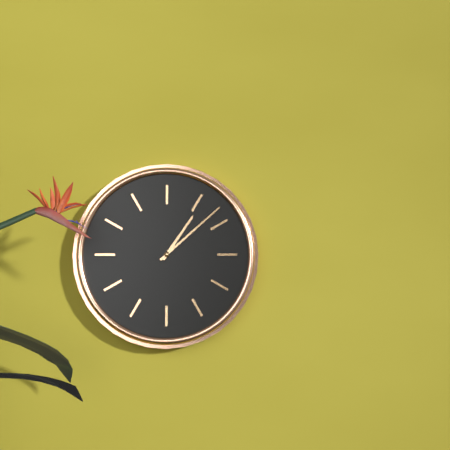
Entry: 1:08
